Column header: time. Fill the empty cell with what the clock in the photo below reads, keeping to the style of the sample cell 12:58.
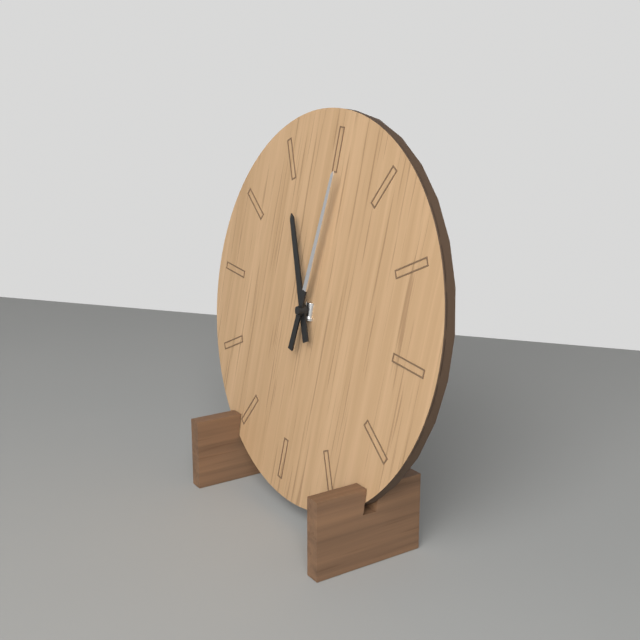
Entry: 11:01
